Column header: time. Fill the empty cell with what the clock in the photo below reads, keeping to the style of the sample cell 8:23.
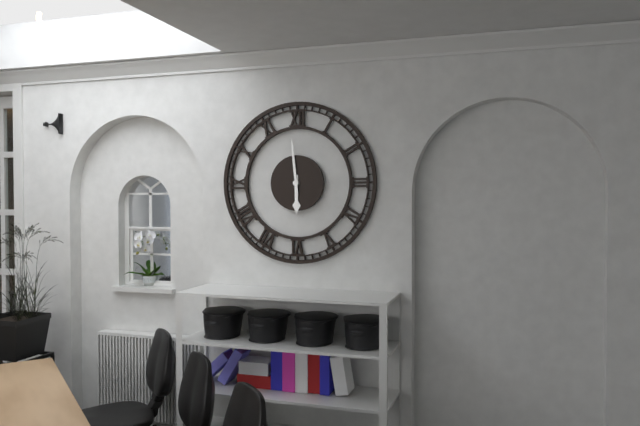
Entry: 5:59
